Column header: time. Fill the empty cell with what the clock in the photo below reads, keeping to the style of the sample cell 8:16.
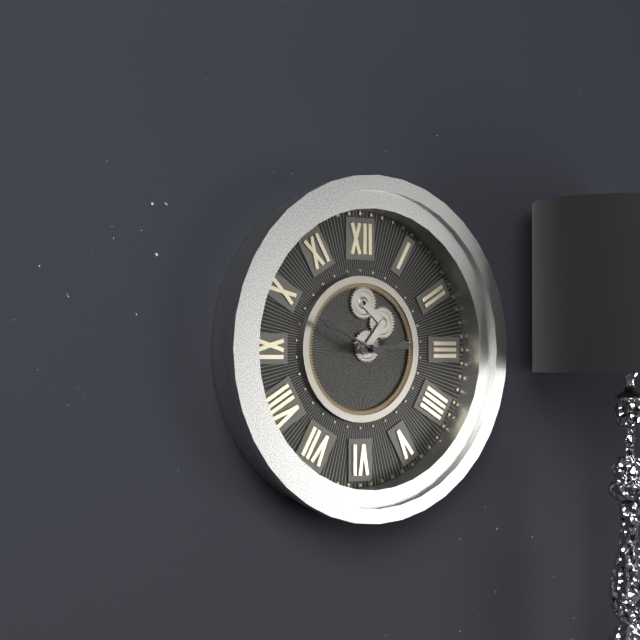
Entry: 2:49
